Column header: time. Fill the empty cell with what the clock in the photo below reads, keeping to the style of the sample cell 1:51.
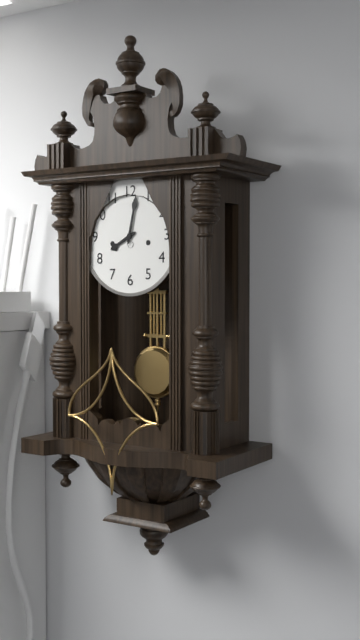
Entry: 8:02
